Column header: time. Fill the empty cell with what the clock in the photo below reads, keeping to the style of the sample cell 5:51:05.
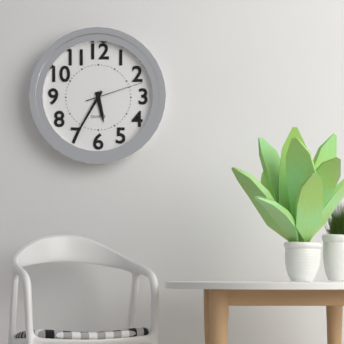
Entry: 5:35:12
